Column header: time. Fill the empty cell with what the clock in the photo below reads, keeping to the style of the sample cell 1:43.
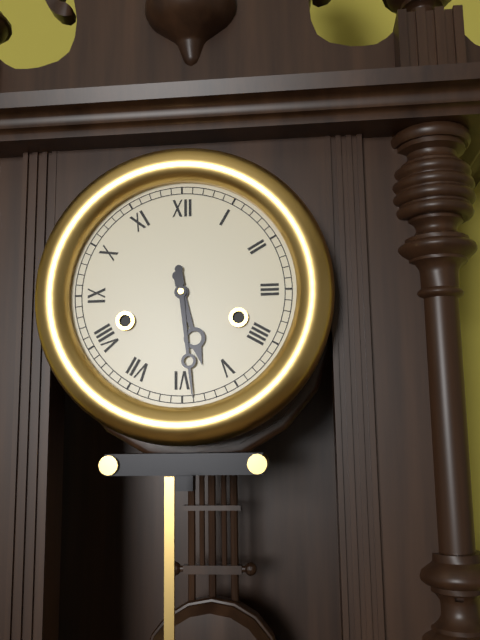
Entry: 5:29
